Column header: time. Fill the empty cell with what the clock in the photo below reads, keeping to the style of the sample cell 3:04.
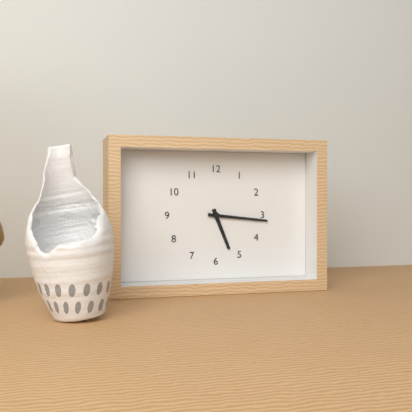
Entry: 5:16
